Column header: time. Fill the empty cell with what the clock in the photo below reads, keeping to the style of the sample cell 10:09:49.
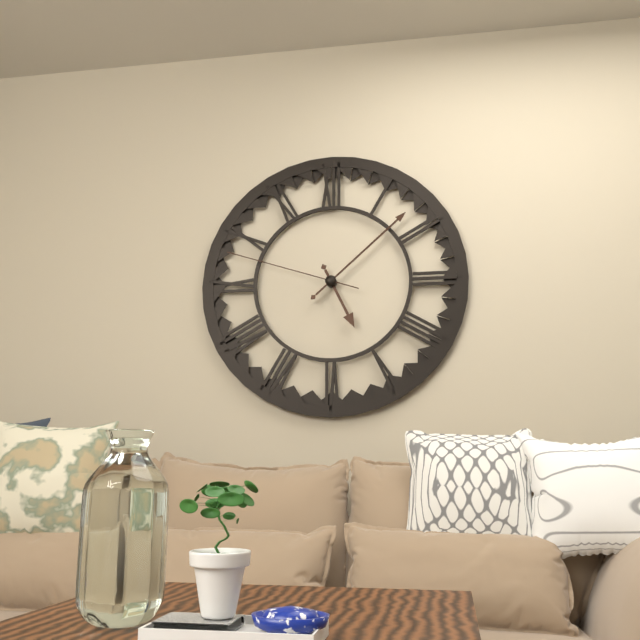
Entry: 5:08:48
